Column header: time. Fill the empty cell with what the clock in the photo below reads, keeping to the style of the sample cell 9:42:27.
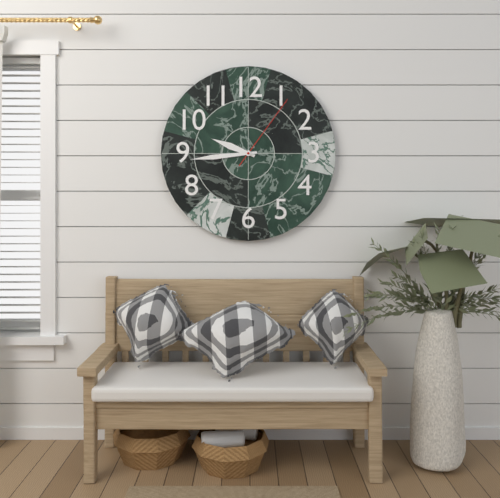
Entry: 9:44:06
